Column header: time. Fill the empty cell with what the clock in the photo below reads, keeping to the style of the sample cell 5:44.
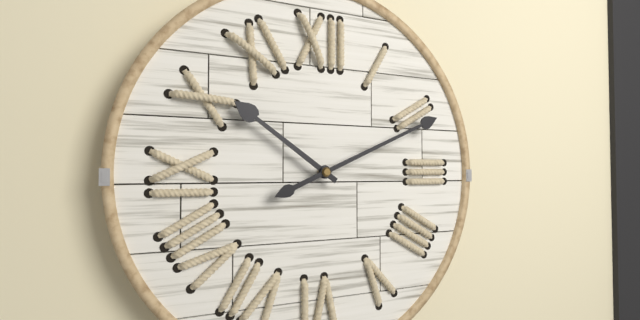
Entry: 10:11
